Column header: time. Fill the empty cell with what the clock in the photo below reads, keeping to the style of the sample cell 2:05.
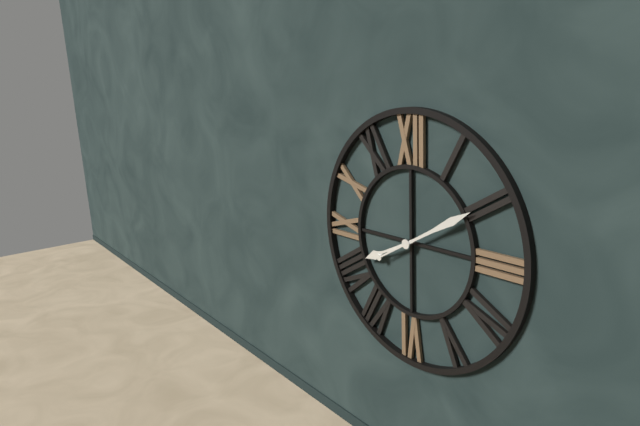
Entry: 8:10
